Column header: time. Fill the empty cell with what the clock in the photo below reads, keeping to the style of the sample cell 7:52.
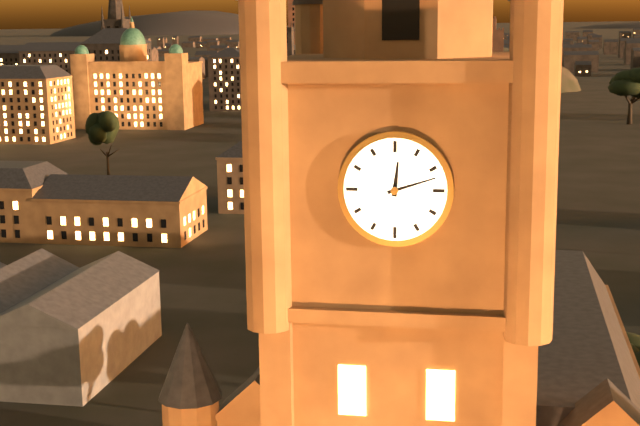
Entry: 12:12
